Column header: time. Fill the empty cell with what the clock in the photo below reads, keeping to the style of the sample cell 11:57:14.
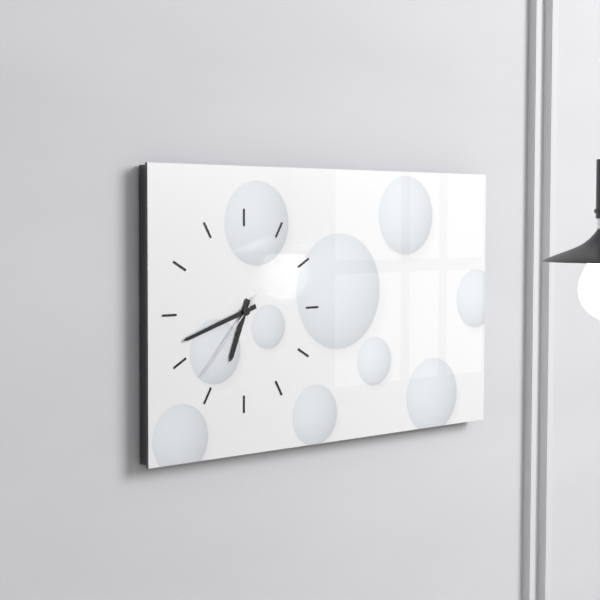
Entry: 6:42:37
